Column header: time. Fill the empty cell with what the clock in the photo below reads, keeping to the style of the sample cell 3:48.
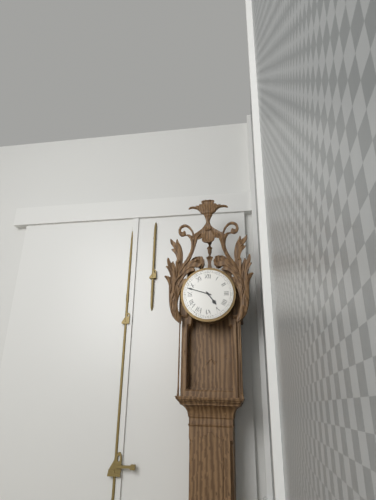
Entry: 4:48
